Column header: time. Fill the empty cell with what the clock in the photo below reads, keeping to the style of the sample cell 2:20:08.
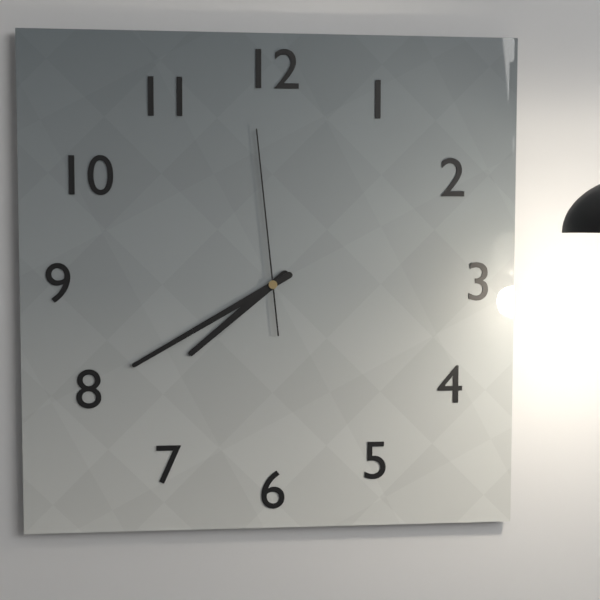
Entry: 7:40:59
